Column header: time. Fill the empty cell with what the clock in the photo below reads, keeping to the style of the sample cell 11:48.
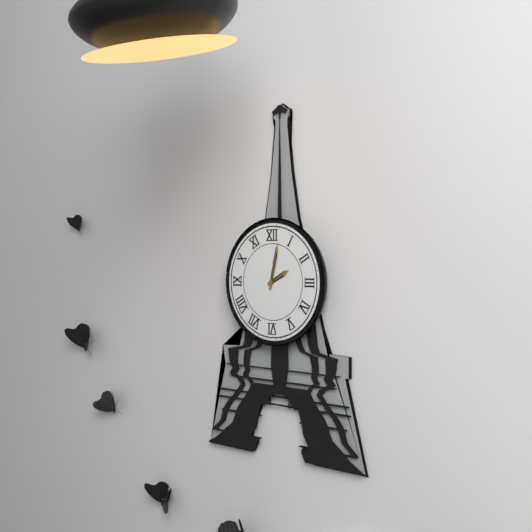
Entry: 2:02
